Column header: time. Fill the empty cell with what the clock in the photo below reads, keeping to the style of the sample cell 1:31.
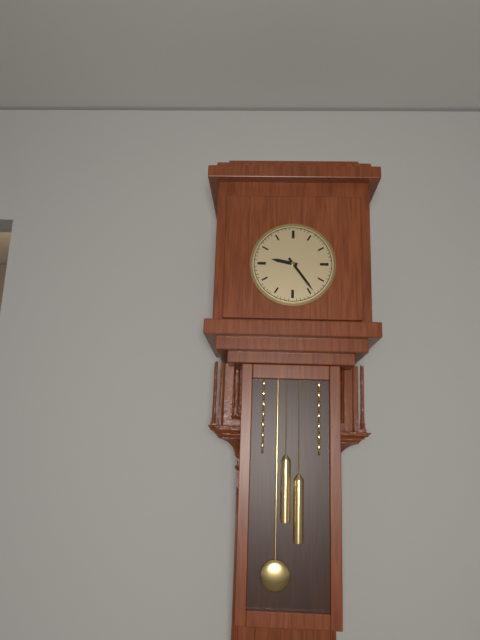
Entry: 9:24
